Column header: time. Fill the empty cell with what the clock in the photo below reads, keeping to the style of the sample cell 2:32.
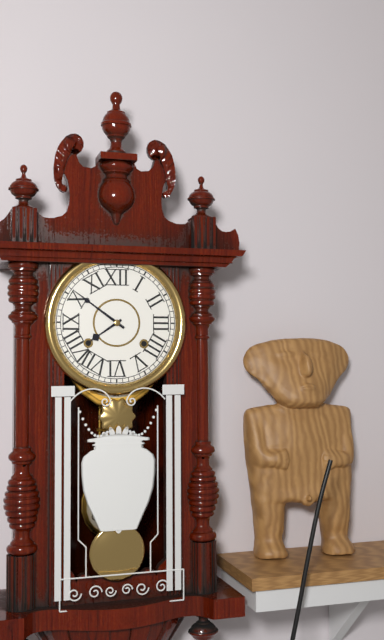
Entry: 7:51
